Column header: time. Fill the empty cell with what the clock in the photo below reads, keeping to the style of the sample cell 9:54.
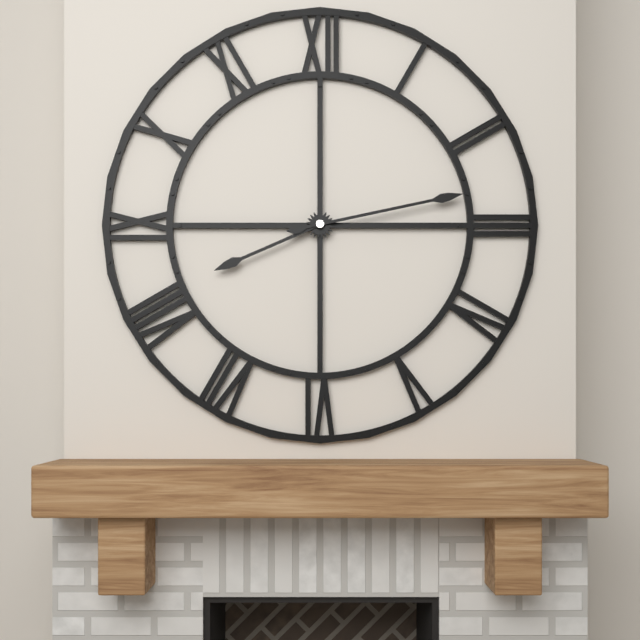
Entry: 8:13
